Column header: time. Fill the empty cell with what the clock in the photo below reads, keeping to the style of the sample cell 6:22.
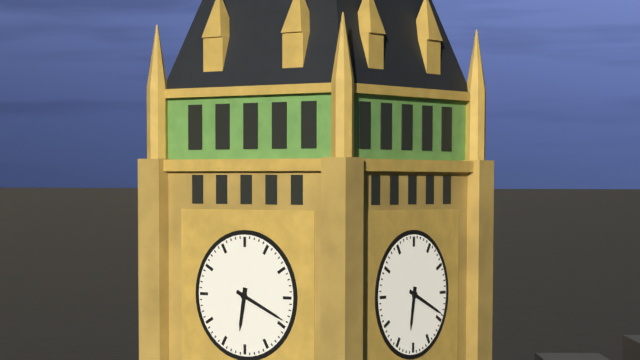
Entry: 6:19
